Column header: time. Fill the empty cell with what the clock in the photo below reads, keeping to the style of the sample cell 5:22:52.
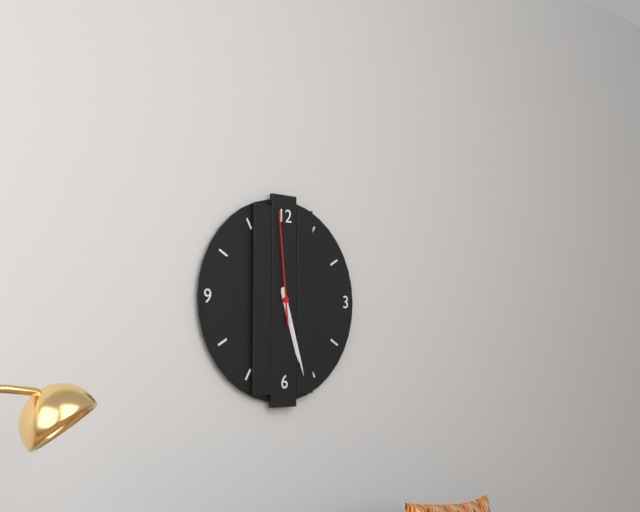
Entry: 5:27:59
